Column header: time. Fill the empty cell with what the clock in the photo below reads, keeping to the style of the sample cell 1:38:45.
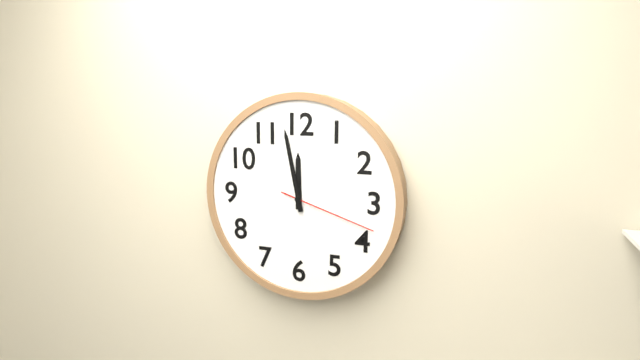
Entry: 11:58:18
